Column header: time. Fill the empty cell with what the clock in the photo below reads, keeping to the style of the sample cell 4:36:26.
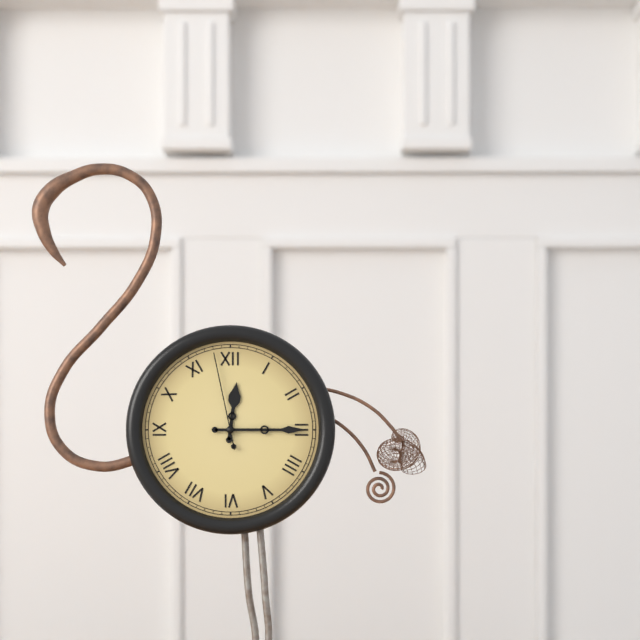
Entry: 12:15:58
